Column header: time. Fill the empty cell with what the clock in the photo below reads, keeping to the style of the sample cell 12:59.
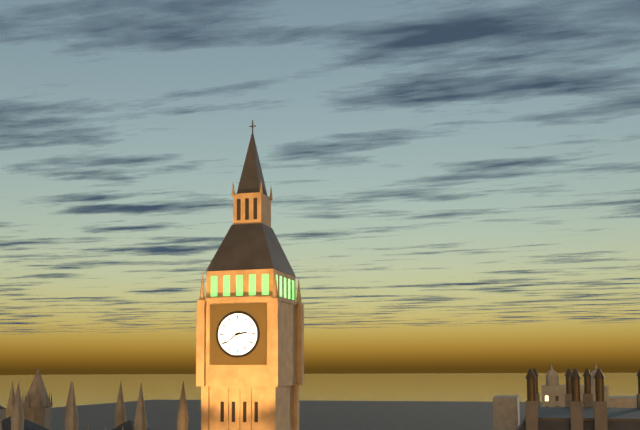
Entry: 2:39
